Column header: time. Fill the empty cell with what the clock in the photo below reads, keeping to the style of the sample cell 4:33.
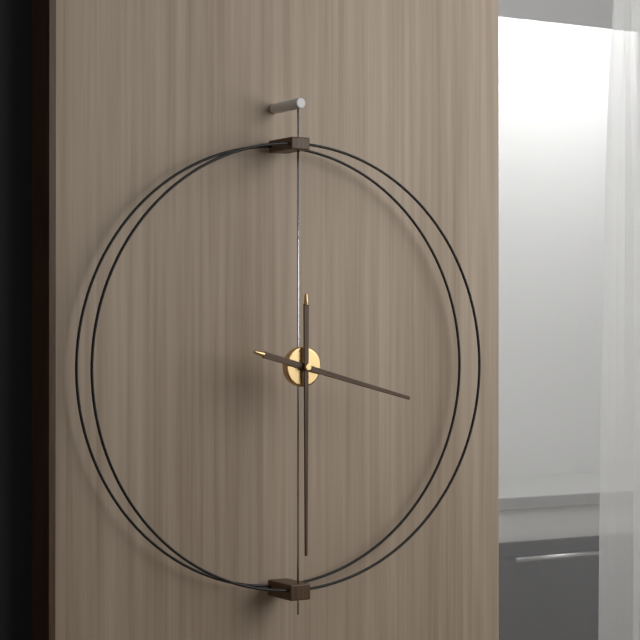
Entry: 3:30
